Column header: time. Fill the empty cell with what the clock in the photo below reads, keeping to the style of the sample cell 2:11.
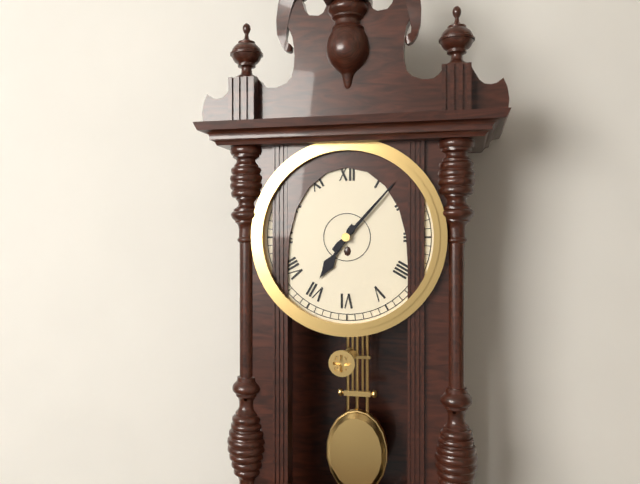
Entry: 7:07
